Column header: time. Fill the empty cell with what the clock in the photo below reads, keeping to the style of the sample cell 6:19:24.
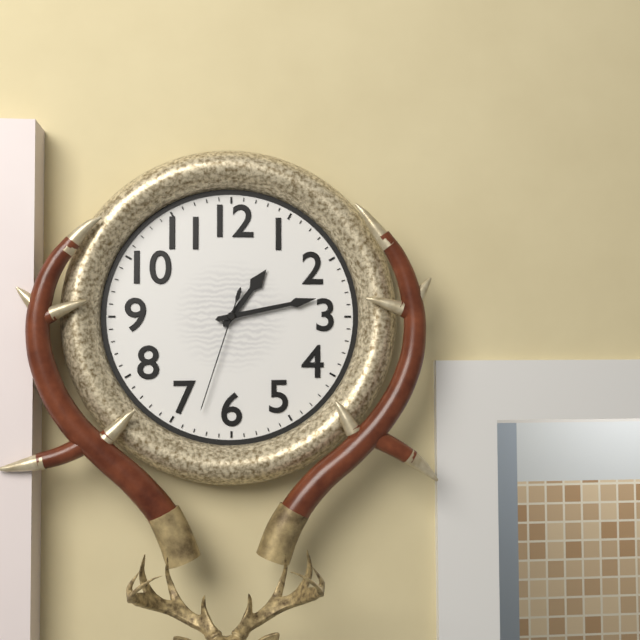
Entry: 1:13:33
